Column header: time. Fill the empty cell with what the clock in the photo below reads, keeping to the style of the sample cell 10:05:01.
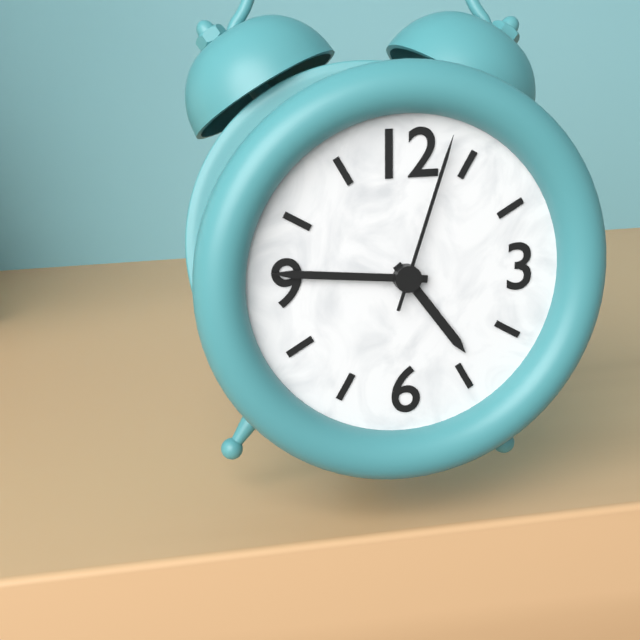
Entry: 4:46:03
